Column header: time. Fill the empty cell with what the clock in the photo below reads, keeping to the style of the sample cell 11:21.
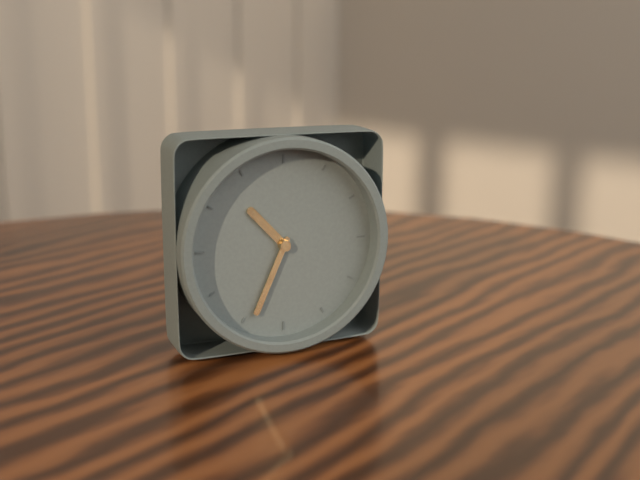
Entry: 10:34
